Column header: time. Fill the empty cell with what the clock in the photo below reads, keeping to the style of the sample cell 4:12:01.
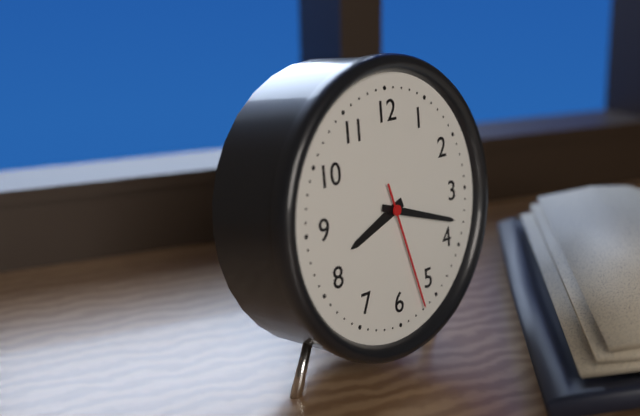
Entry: 8:18:27
